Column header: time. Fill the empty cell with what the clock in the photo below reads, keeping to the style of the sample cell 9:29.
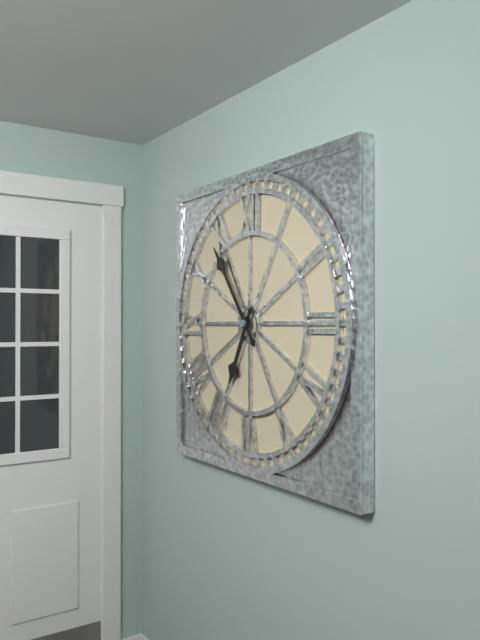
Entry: 6:54
